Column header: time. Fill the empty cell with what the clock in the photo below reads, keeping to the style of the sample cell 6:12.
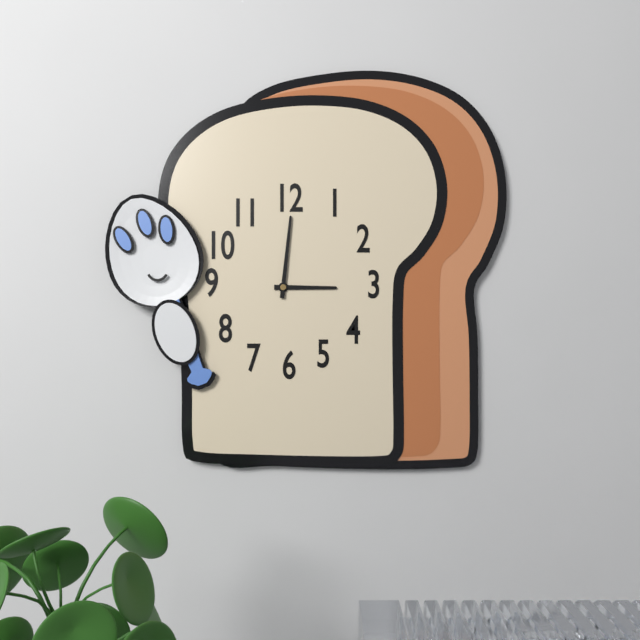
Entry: 3:01
